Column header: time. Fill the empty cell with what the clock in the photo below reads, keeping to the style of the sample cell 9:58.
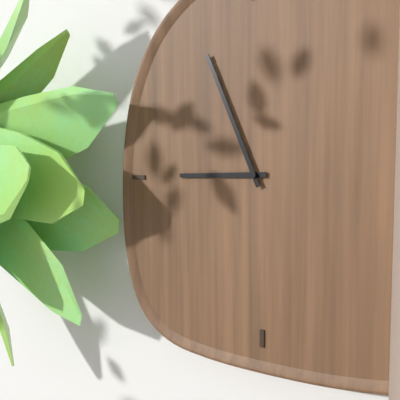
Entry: 8:56
